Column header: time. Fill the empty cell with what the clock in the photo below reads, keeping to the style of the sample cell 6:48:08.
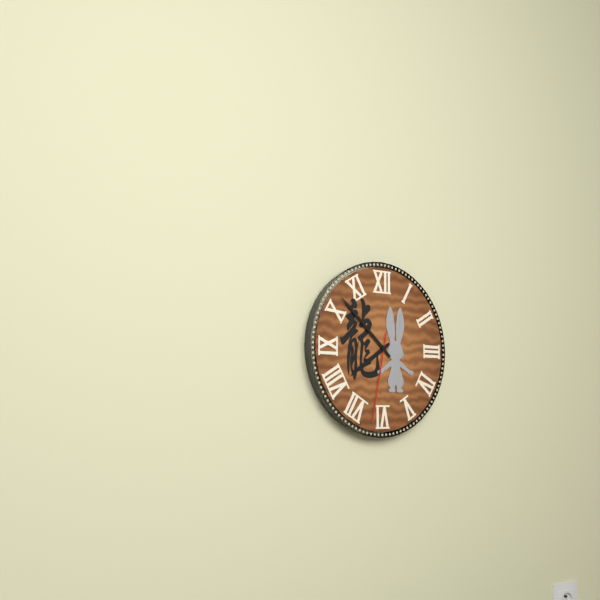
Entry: 7:52:32
